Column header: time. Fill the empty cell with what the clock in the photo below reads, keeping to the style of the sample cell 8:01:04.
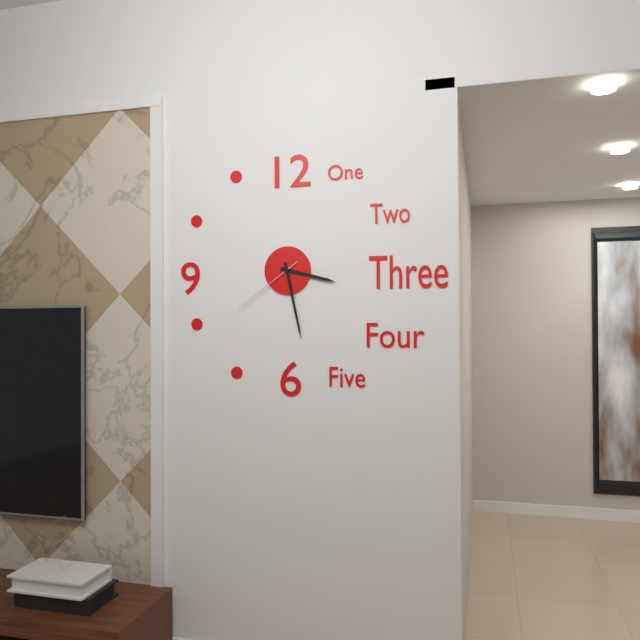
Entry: 3:28:39
